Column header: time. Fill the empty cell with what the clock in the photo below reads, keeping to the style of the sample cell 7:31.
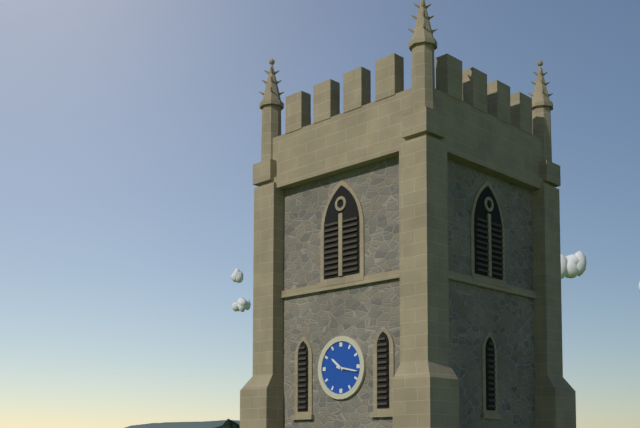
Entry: 10:17
